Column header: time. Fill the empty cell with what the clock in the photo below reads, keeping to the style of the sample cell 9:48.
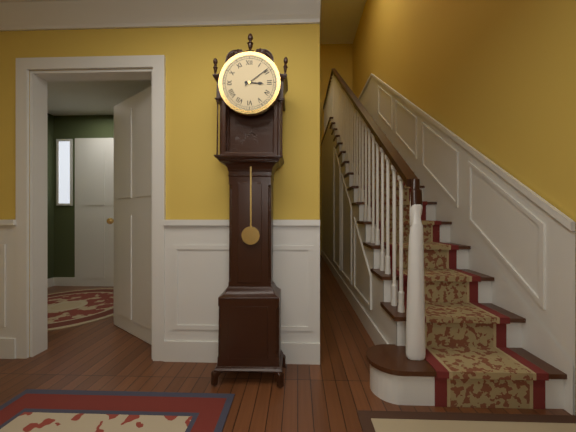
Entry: 3:09
